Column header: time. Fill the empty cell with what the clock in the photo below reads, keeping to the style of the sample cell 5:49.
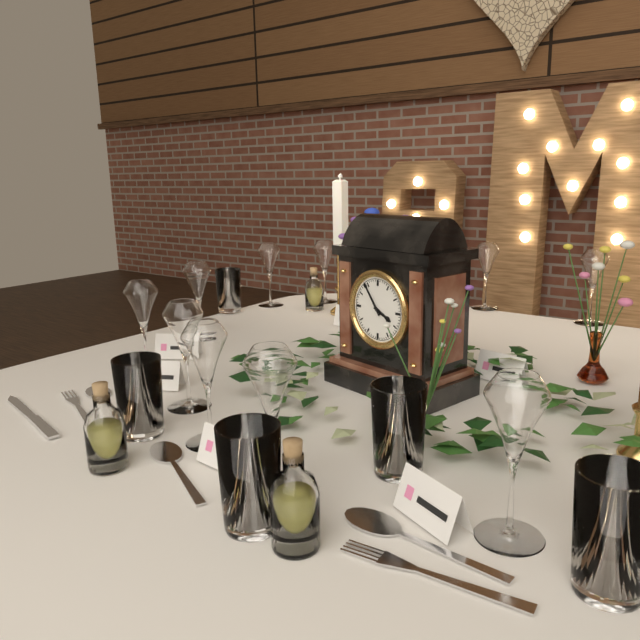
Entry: 3:54
